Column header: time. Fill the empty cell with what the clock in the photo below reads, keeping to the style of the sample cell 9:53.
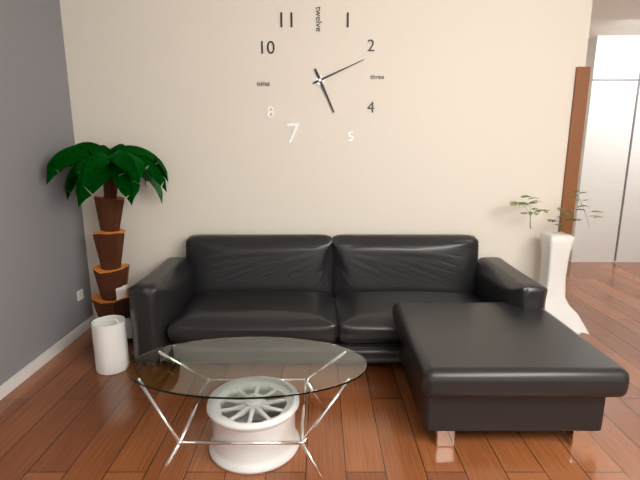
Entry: 5:11
